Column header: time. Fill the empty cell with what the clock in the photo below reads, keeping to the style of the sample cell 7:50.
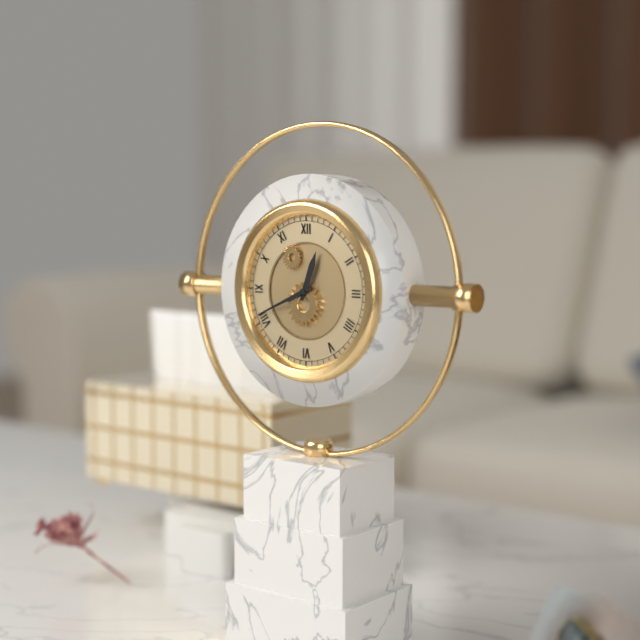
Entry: 12:41
